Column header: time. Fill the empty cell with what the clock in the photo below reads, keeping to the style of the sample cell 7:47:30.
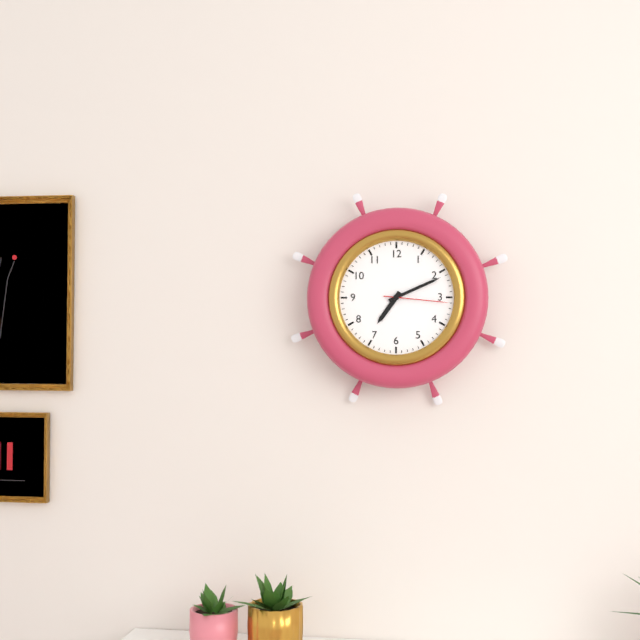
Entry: 7:11:16
